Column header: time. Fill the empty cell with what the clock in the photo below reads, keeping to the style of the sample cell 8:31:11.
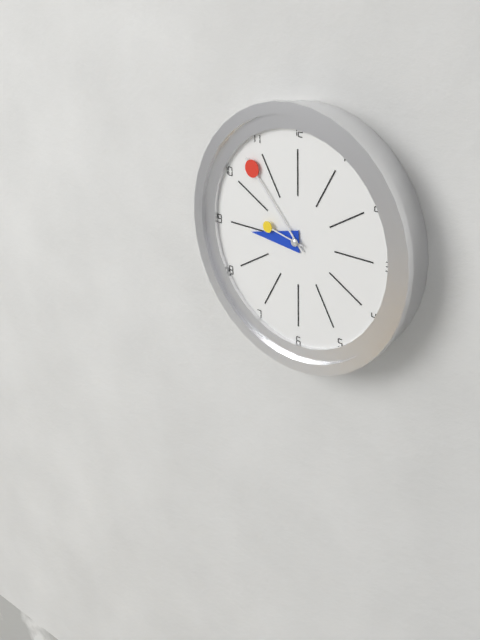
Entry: 8:53:47
